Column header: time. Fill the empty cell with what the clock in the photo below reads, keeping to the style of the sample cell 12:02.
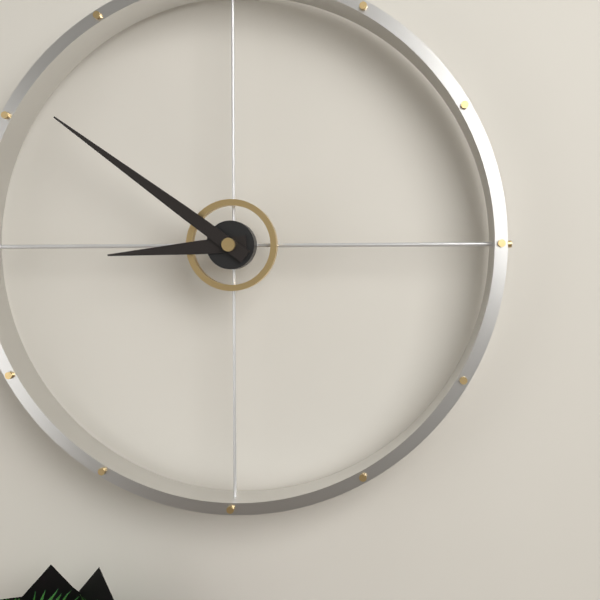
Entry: 8:51
